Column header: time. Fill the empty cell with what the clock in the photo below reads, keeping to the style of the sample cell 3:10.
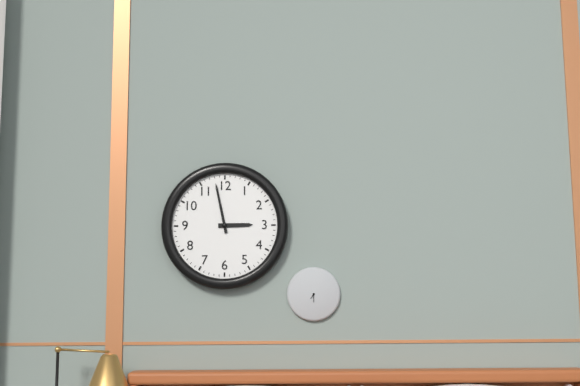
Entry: 2:58
